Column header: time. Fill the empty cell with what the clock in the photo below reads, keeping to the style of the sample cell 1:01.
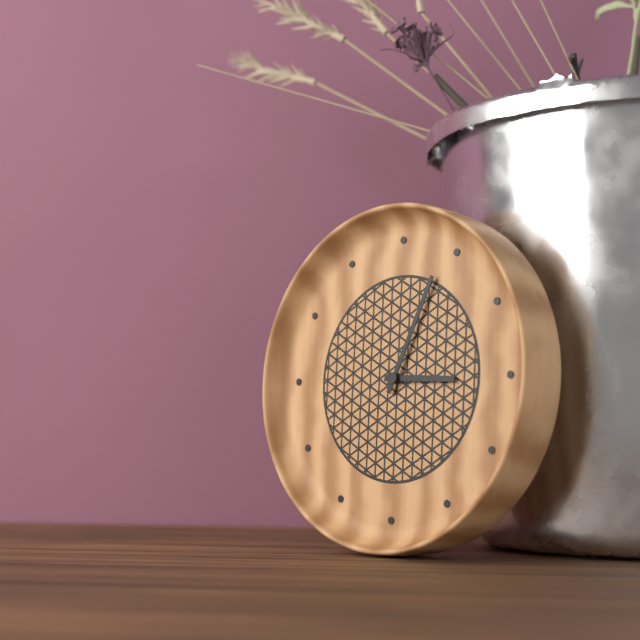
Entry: 3:04
